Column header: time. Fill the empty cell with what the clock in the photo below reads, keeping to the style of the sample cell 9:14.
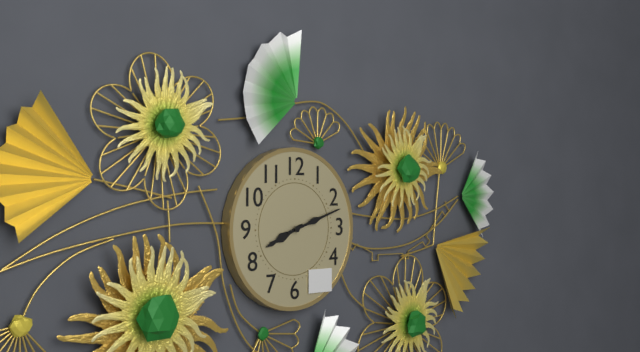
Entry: 8:12
